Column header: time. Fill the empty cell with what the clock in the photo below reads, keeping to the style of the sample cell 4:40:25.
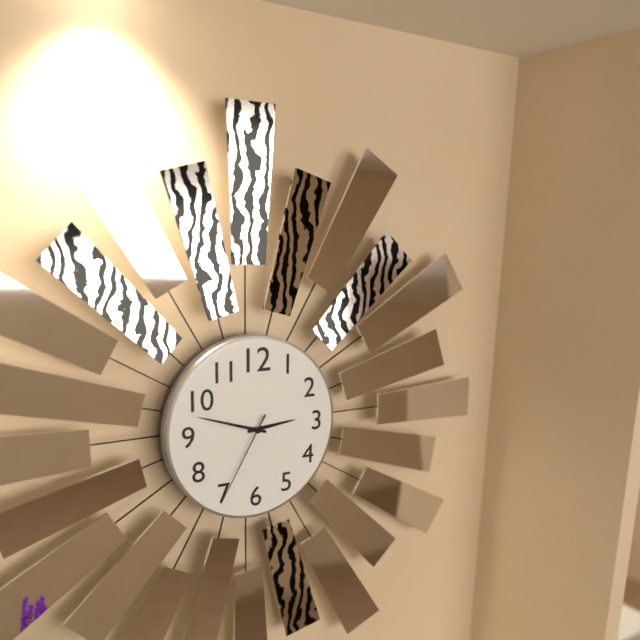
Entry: 2:48:35
